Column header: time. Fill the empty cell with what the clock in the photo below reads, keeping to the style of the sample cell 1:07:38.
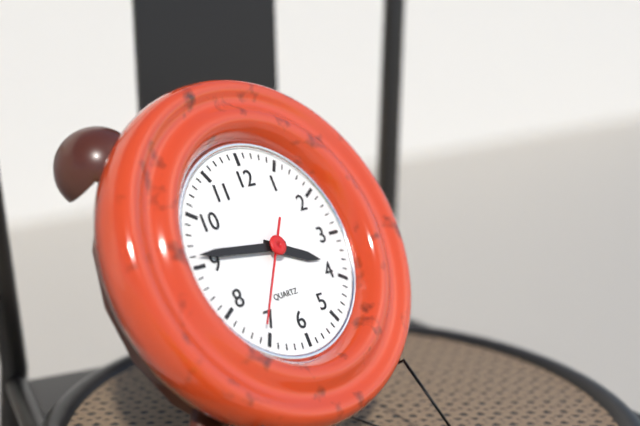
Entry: 3:46:36
